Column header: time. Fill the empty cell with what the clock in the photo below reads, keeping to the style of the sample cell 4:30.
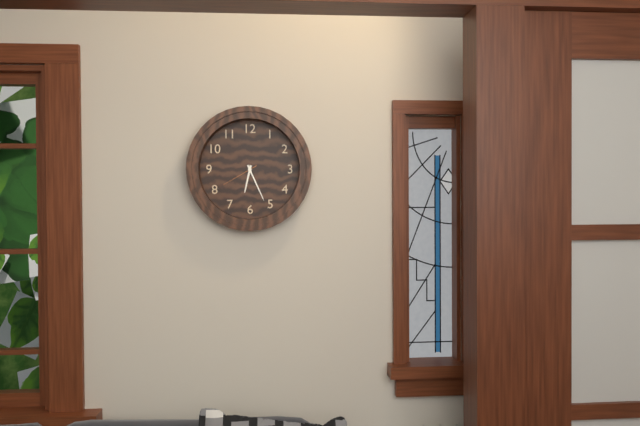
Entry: 6:26
